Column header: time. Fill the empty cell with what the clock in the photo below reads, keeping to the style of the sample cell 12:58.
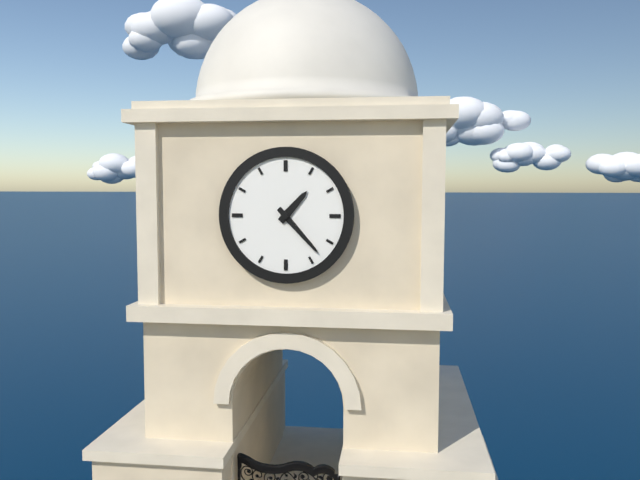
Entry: 1:23
